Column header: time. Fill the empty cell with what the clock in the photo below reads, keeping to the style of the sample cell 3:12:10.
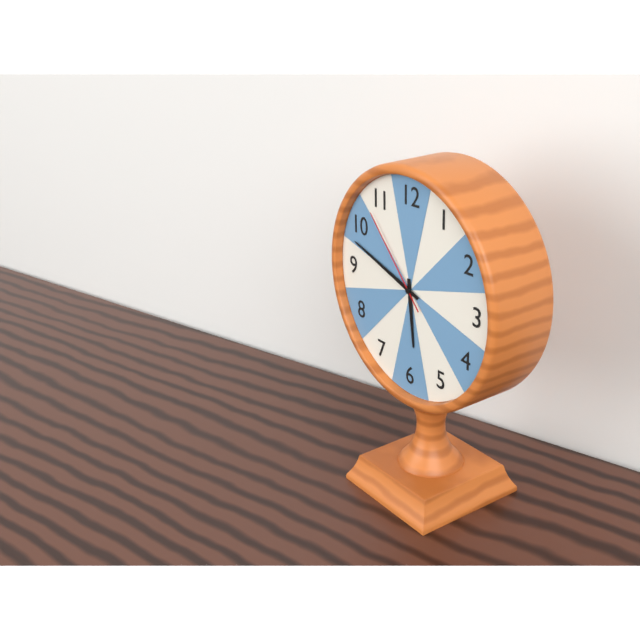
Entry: 5:48:53
